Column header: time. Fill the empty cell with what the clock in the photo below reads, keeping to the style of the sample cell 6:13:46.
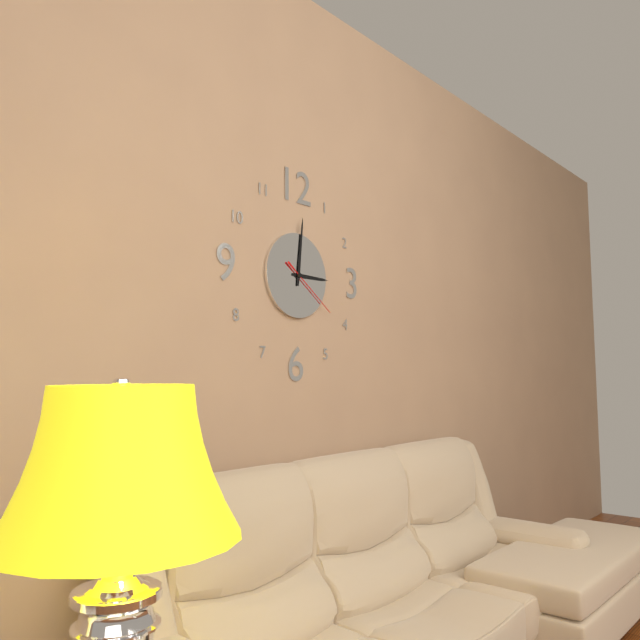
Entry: 3:01:21
